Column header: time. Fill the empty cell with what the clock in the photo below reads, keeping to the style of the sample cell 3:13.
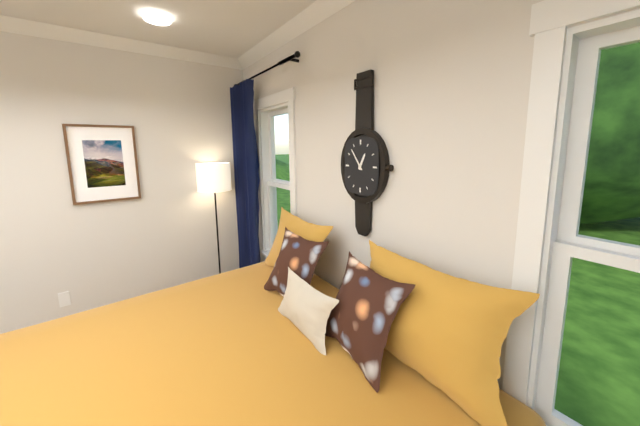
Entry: 12:54
